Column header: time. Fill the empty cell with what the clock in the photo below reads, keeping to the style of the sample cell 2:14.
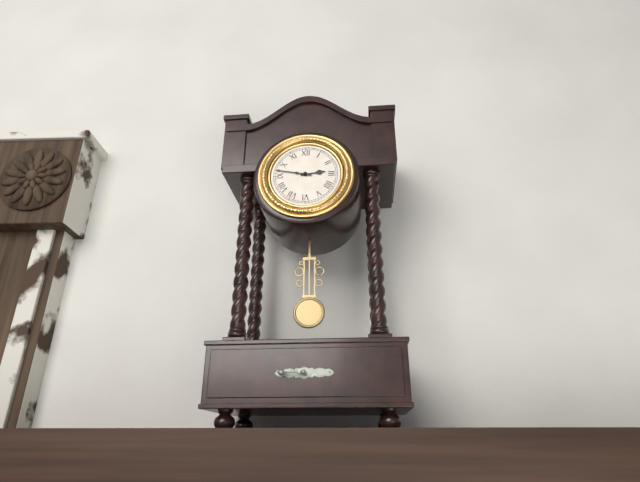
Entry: 2:47
